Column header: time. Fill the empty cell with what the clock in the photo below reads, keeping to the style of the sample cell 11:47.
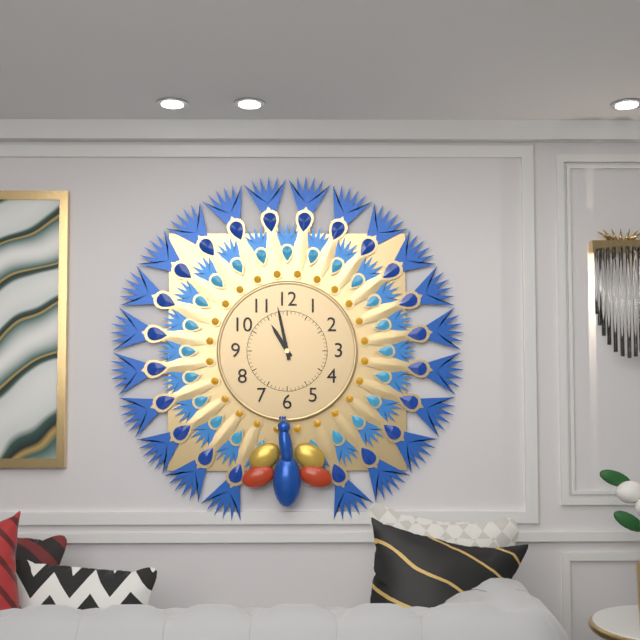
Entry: 10:58
